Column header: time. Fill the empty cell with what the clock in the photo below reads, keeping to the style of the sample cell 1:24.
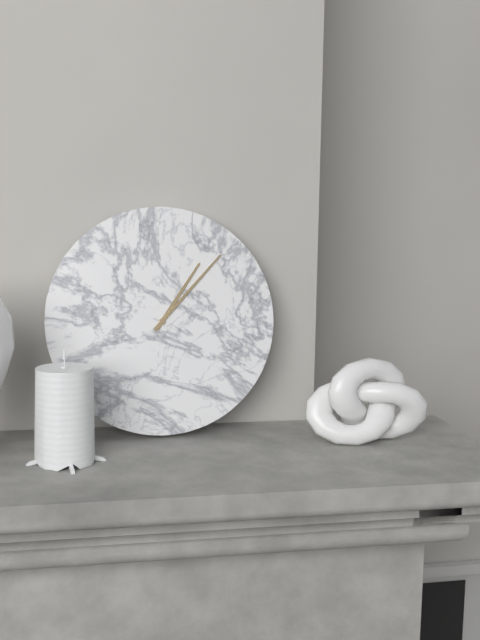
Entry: 1:07
